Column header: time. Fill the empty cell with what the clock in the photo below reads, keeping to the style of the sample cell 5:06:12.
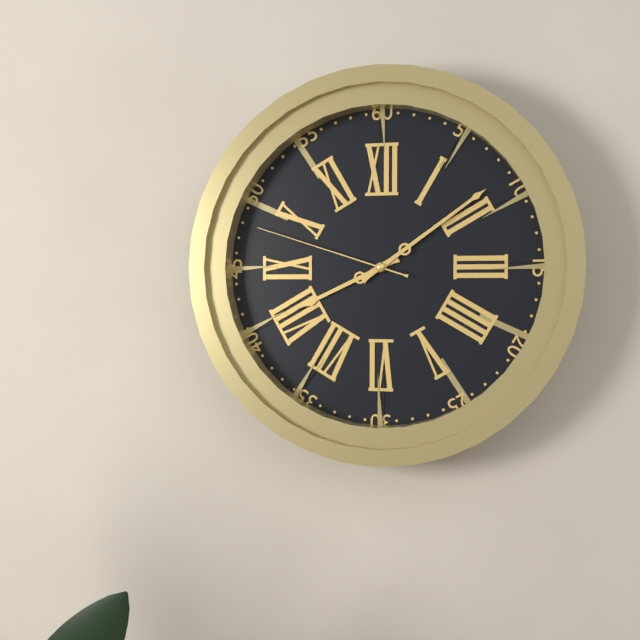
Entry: 8:09:48
